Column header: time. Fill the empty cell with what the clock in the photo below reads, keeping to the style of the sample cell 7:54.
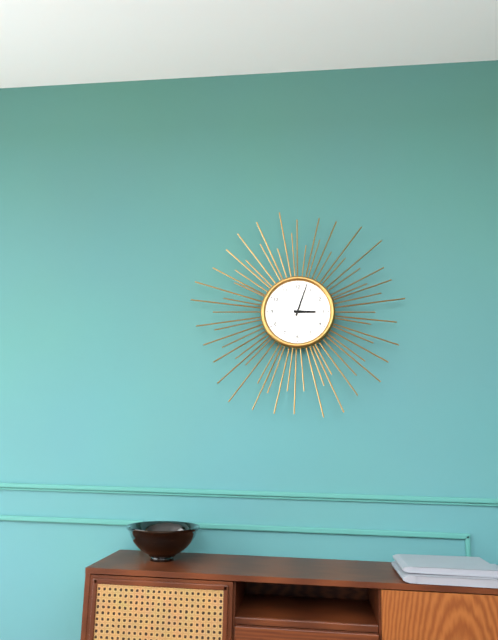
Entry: 3:03
